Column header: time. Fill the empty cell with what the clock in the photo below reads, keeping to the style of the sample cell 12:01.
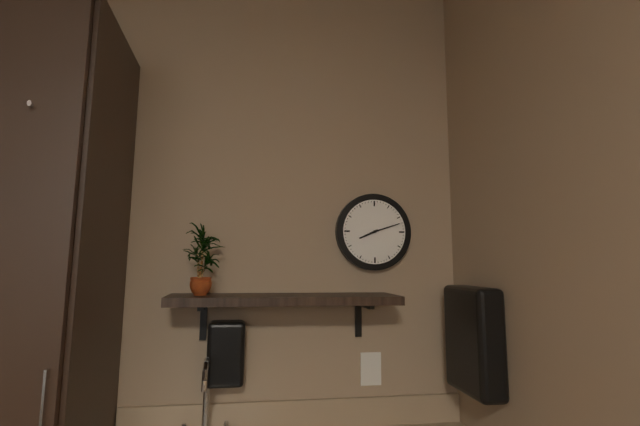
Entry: 8:12
